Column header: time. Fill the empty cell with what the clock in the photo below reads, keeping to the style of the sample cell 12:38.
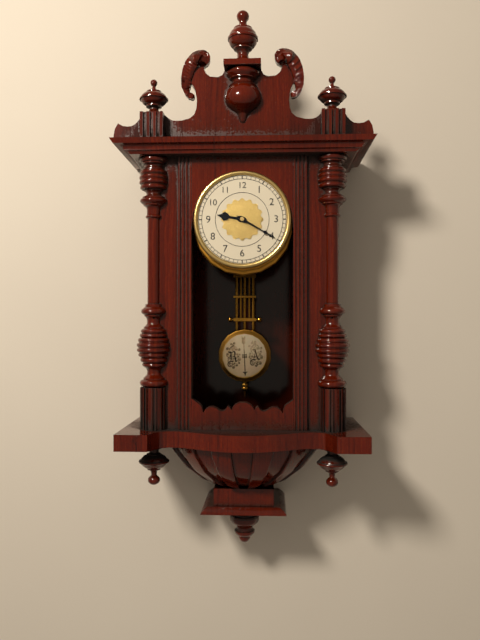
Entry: 9:20
